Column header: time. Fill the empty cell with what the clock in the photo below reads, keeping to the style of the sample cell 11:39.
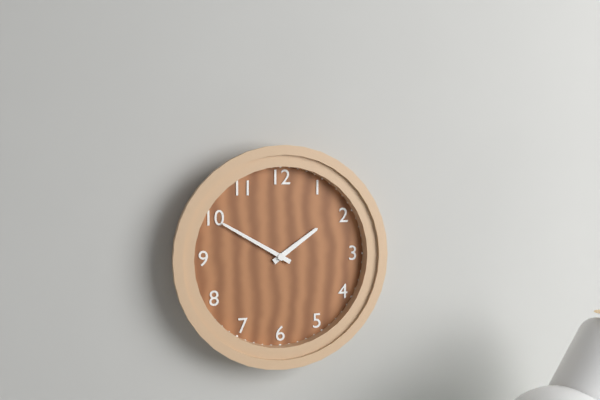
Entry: 1:50
